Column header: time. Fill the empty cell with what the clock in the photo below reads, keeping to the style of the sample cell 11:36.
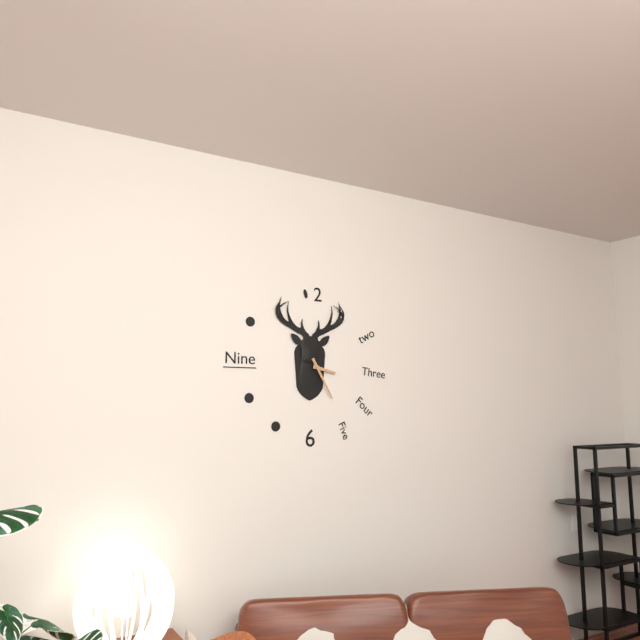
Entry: 3:25
